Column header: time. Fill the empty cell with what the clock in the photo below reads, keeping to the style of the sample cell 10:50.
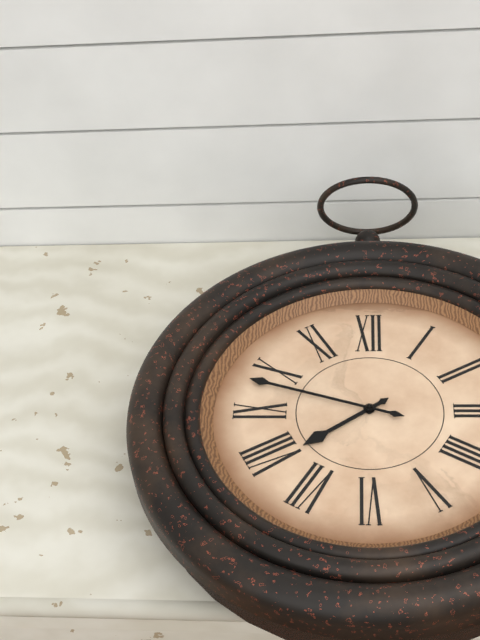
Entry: 7:48
